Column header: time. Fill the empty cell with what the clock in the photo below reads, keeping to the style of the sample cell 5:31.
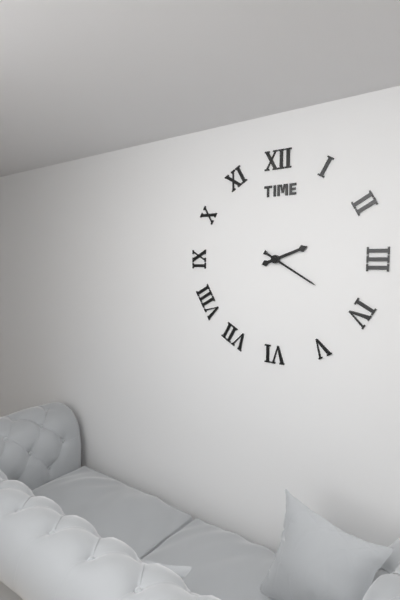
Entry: 2:20
